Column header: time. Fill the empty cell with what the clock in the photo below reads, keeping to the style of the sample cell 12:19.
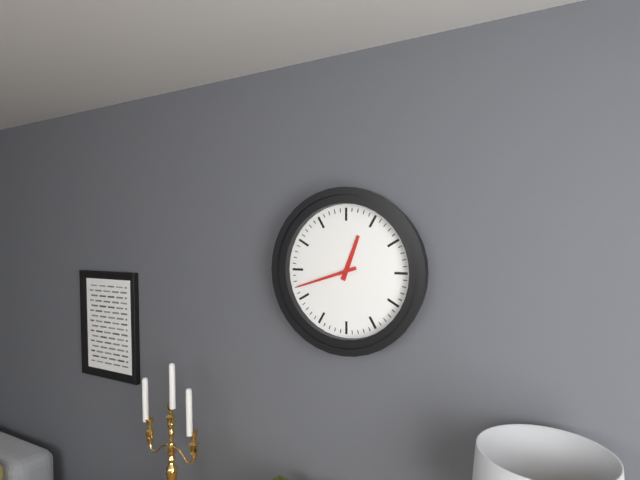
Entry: 12:42
